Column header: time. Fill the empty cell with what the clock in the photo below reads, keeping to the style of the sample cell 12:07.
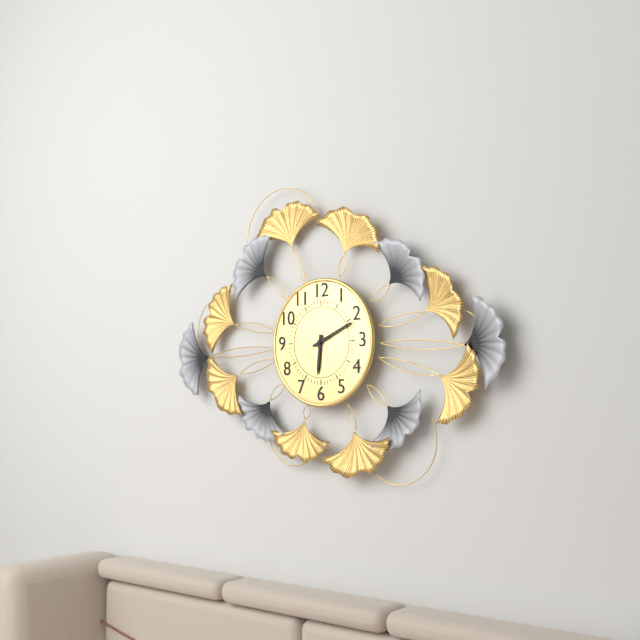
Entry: 6:11
